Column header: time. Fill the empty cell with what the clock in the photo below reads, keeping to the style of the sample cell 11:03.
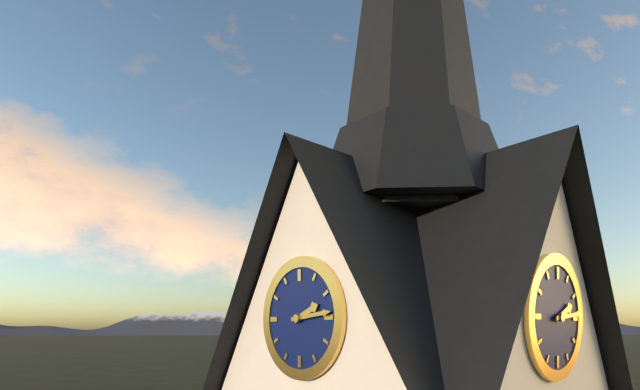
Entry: 2:14
